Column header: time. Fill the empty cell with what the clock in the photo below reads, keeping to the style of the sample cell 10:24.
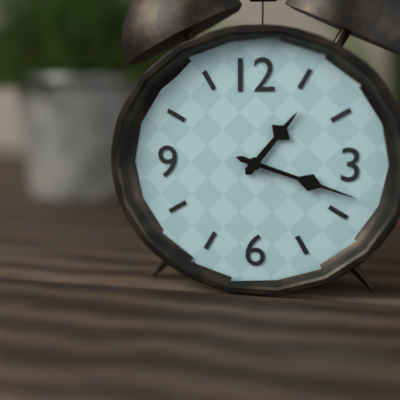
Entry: 1:18
